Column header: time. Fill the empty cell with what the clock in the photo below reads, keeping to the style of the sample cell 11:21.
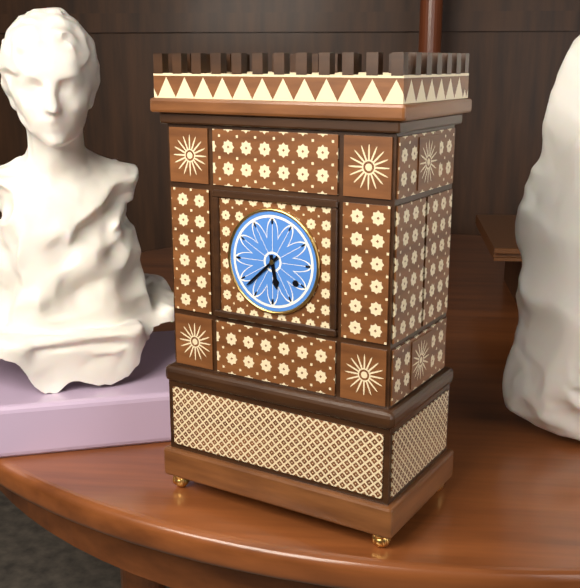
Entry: 5:38
